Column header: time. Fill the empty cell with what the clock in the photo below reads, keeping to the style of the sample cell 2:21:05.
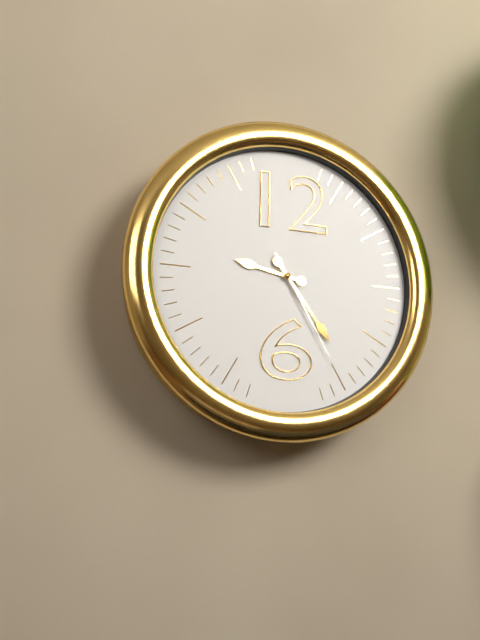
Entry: 9:24:25
